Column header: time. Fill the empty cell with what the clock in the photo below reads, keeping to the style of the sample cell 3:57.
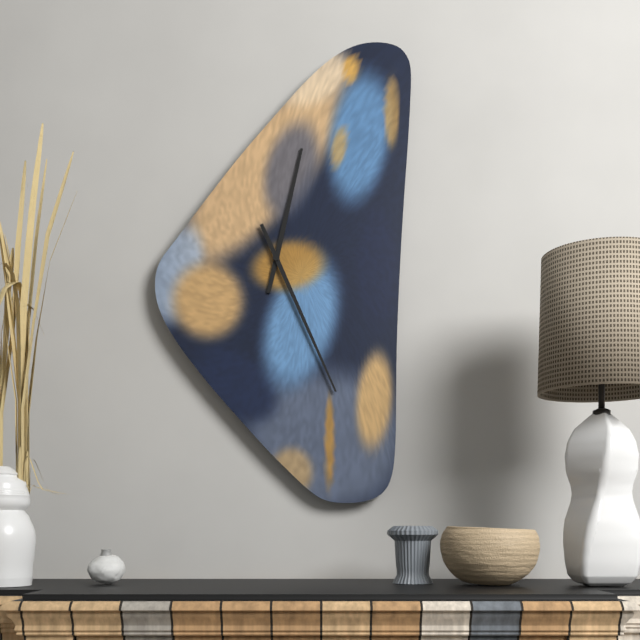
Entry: 12:26
